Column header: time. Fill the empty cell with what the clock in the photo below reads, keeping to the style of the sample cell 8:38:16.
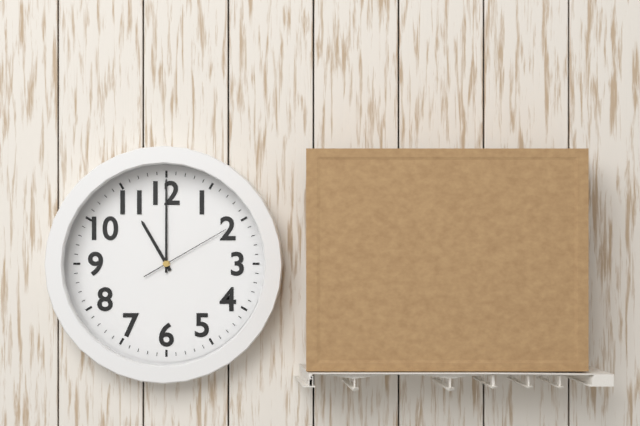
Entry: 11:00:10
